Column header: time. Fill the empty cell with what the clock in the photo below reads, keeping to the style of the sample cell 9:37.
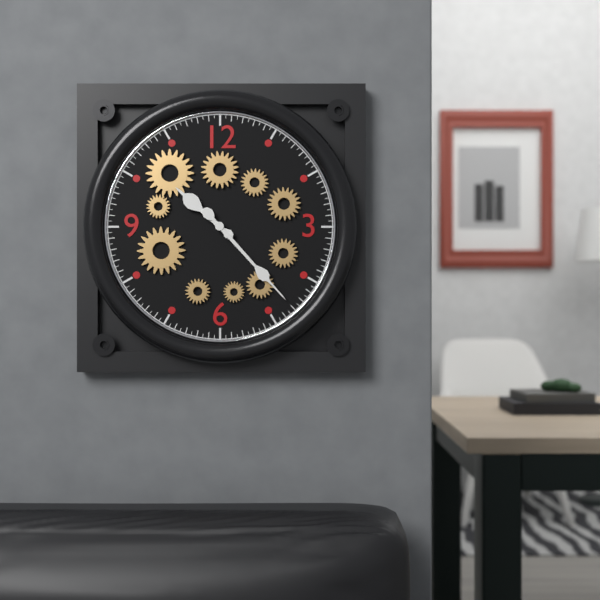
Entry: 10:23
